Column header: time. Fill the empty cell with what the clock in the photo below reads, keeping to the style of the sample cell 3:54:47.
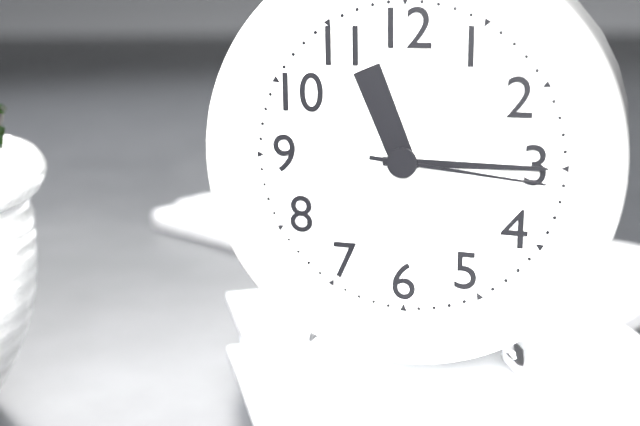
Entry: 11:15:16
